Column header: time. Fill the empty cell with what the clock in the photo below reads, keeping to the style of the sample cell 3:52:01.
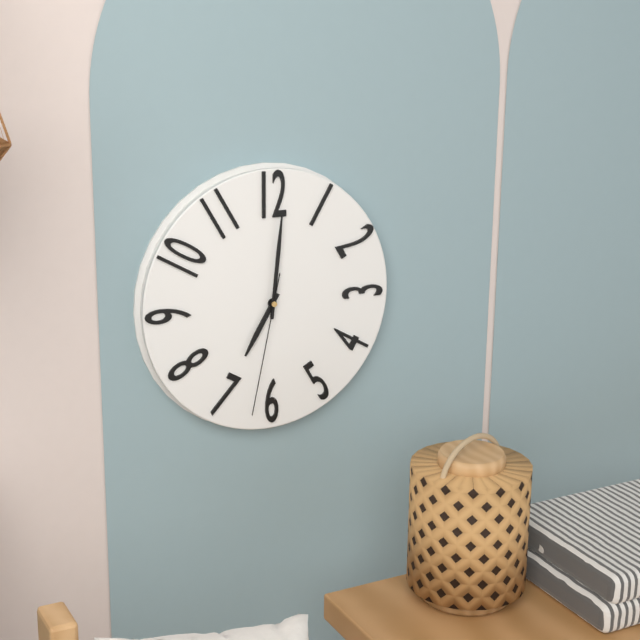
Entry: 7:01:32
